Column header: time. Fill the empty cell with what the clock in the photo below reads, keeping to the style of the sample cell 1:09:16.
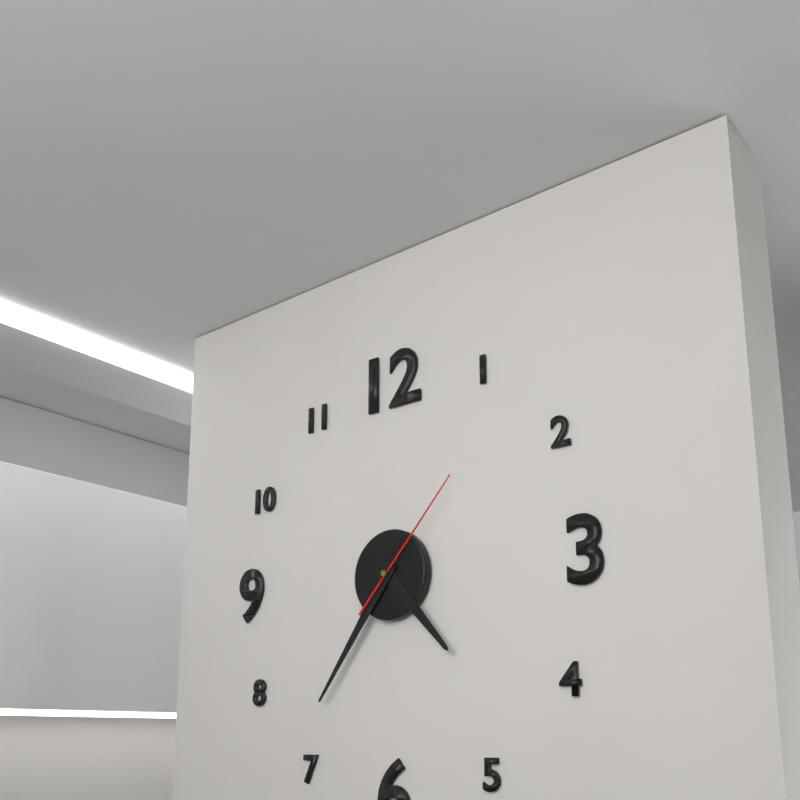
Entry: 4:36:07
